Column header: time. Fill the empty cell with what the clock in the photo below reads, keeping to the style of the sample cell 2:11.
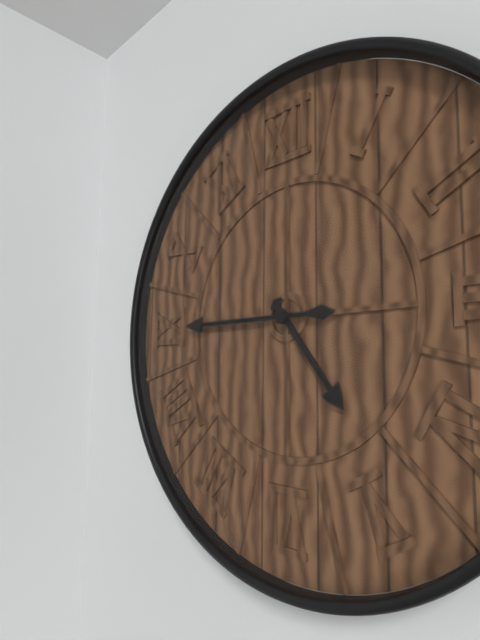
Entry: 4:45
